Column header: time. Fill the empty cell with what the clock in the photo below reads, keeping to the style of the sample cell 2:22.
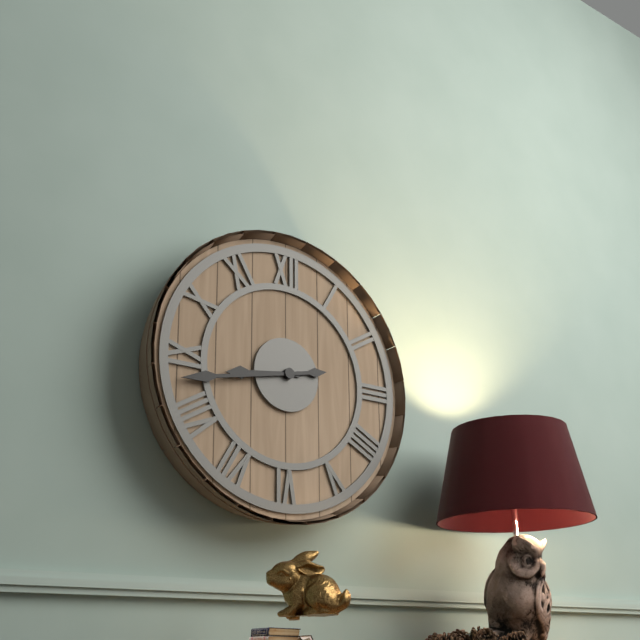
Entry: 8:43
